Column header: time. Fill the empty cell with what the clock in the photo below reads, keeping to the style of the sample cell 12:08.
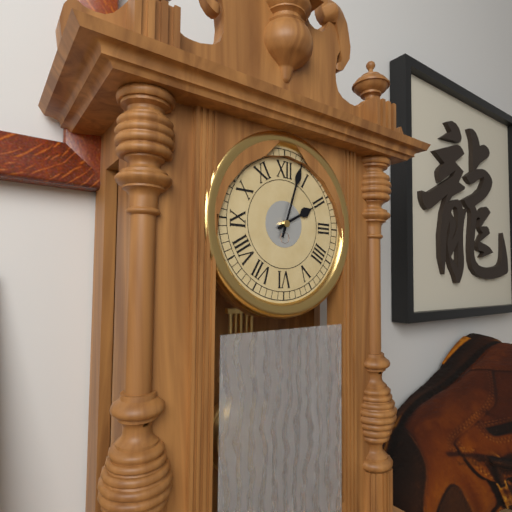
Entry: 2:03
